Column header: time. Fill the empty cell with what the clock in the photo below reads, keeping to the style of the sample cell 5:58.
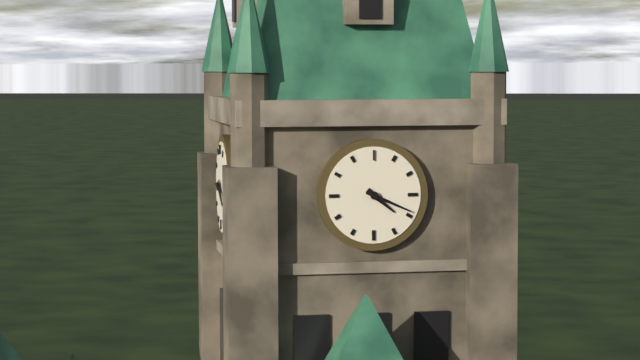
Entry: 4:19
